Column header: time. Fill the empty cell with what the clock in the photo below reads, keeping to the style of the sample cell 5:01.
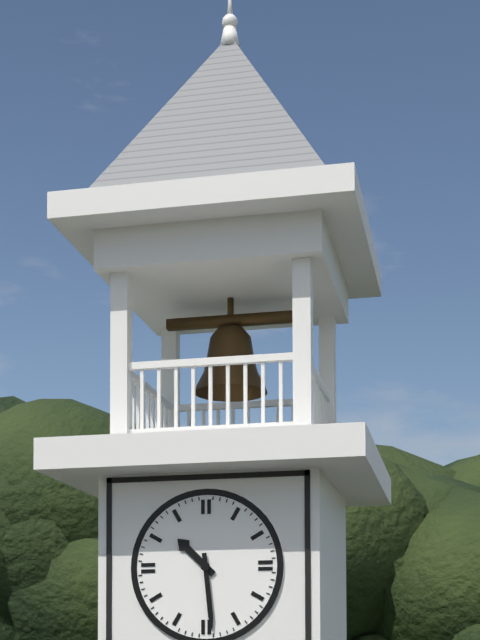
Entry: 10:29
